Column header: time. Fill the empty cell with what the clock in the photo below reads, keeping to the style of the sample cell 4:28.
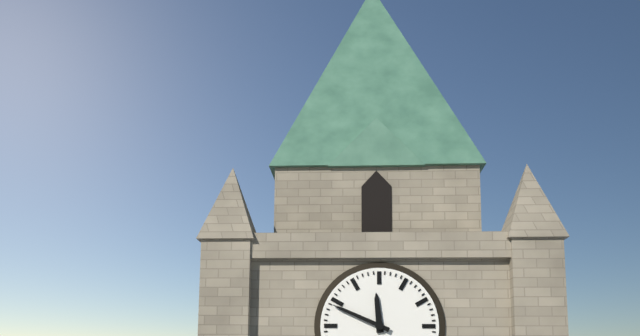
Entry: 11:49
